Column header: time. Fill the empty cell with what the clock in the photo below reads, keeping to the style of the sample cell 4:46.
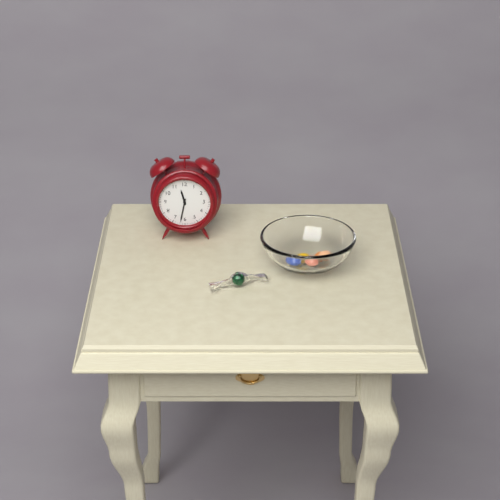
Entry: 11:32
